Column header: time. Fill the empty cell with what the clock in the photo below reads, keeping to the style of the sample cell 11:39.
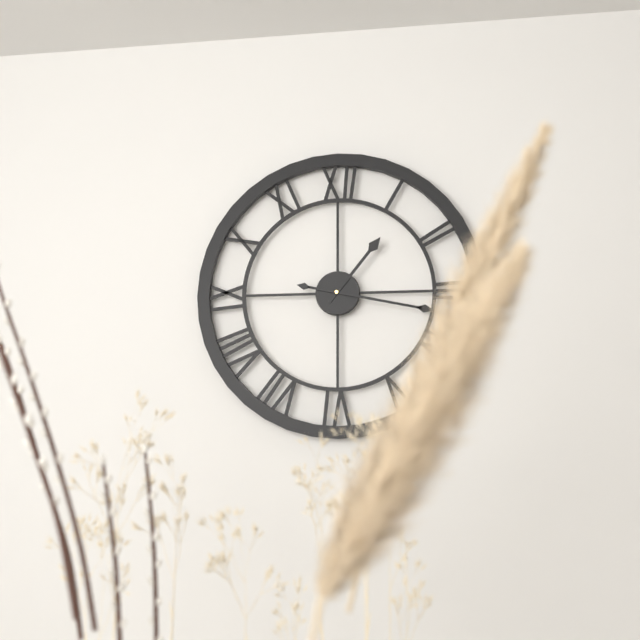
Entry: 1:17
